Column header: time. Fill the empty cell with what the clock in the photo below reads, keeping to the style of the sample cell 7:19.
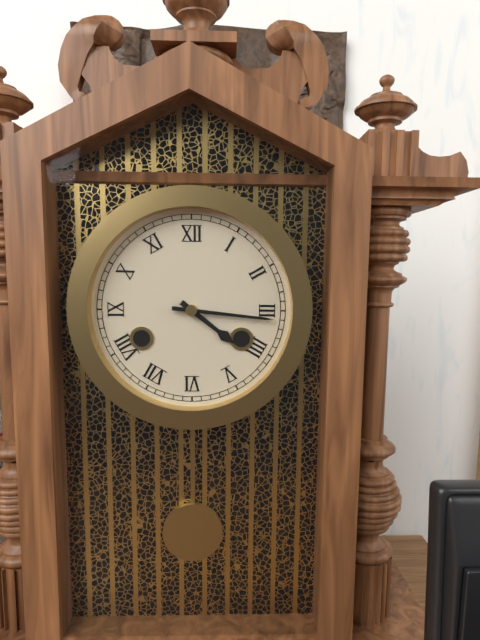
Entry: 4:16
